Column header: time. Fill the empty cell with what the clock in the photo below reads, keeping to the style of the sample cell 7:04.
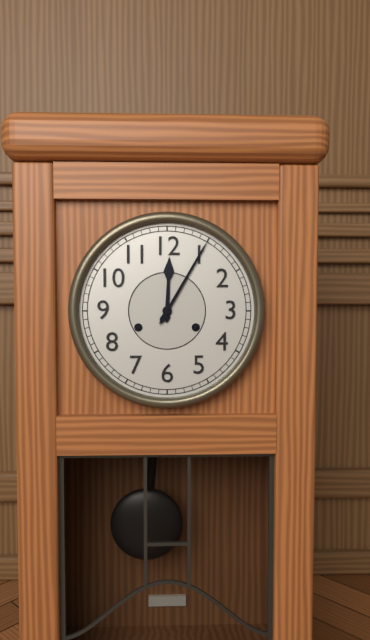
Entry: 12:05
